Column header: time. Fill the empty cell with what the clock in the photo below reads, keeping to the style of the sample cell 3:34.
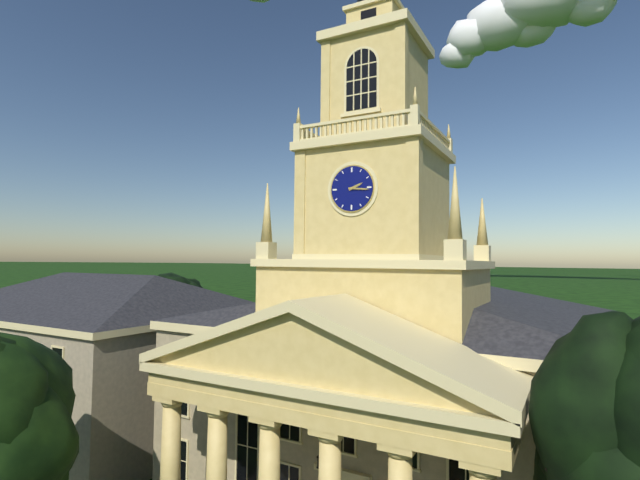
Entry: 2:16
